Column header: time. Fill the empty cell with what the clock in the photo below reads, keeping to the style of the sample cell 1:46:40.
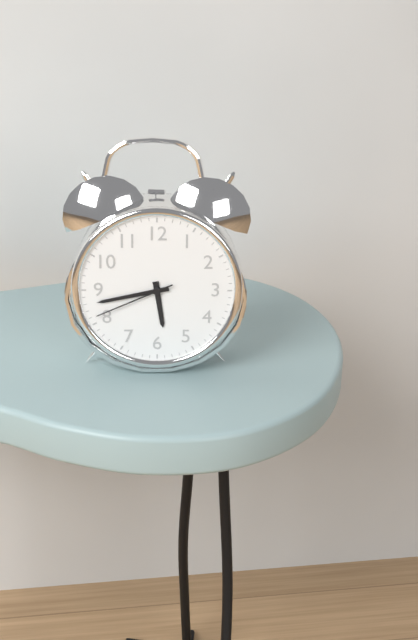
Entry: 5:43:41
